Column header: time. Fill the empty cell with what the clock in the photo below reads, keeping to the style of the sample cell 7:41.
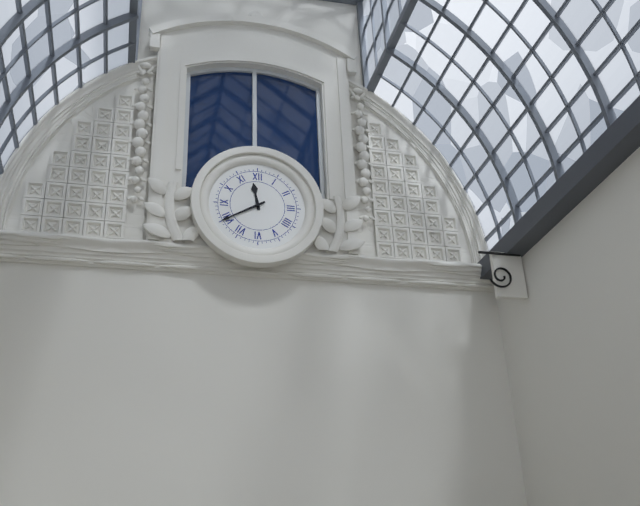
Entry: 11:40
